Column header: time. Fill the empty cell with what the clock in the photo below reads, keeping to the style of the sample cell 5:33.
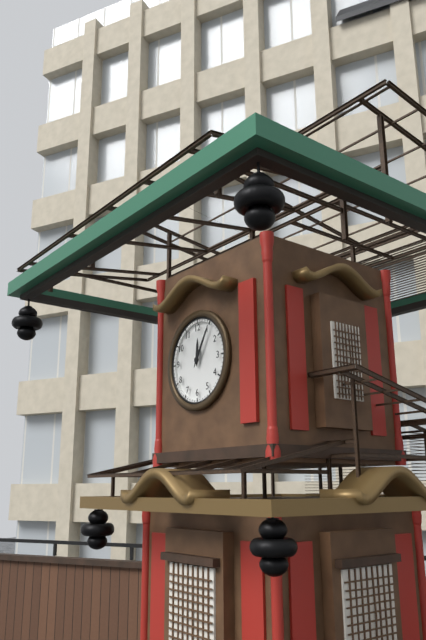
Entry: 12:05
